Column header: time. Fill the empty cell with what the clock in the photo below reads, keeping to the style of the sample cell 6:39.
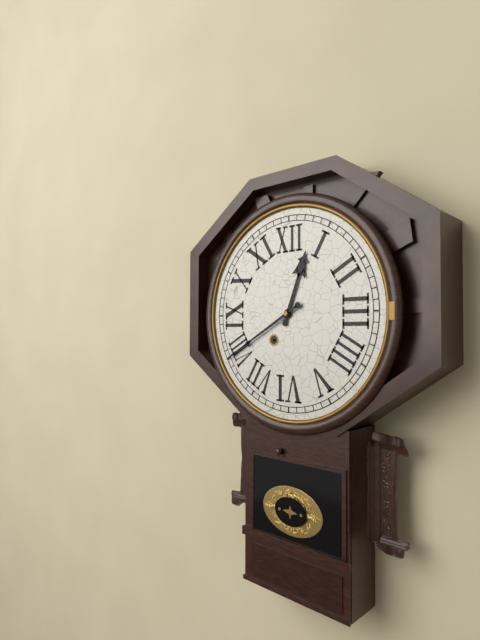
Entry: 12:40
